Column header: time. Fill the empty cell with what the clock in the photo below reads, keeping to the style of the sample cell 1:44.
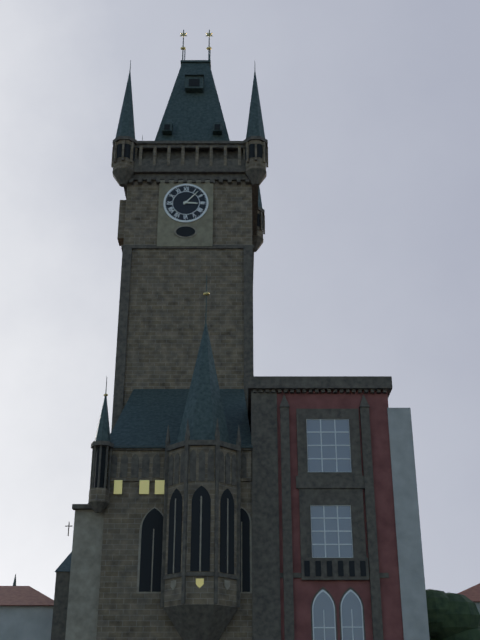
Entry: 3:07
